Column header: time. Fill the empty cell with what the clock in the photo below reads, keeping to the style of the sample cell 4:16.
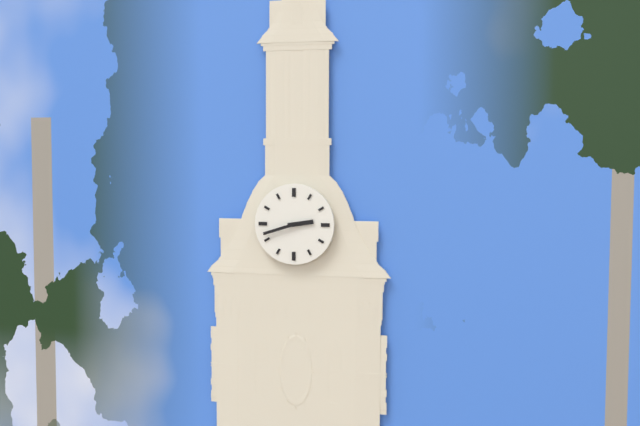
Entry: 2:42
